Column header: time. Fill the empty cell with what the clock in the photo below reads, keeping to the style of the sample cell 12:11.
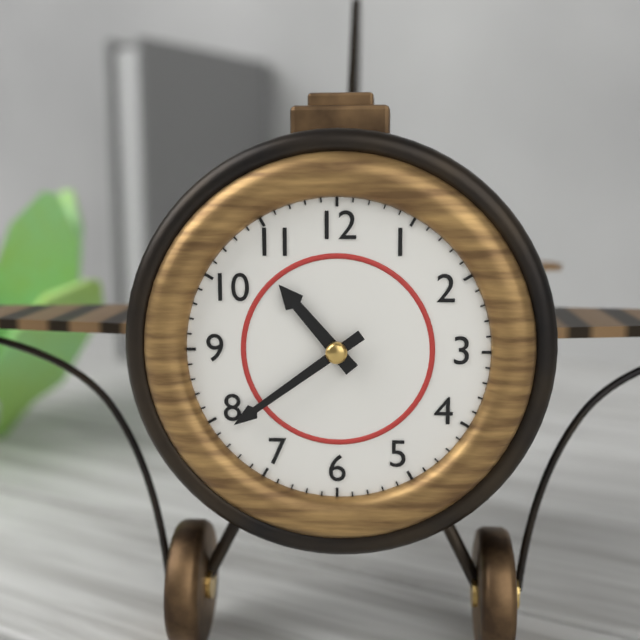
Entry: 10:39
